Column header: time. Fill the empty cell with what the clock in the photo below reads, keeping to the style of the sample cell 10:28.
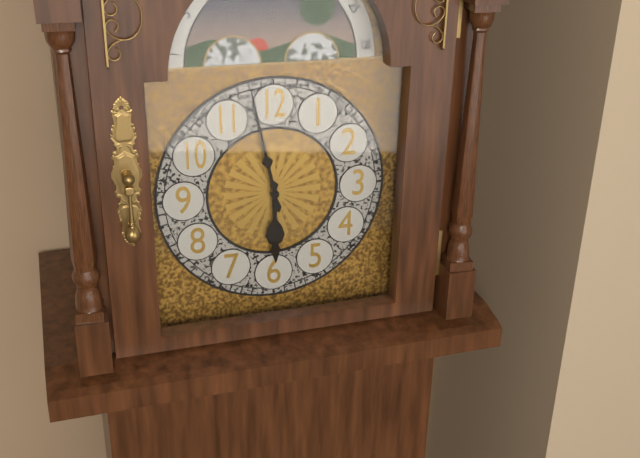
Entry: 5:58
